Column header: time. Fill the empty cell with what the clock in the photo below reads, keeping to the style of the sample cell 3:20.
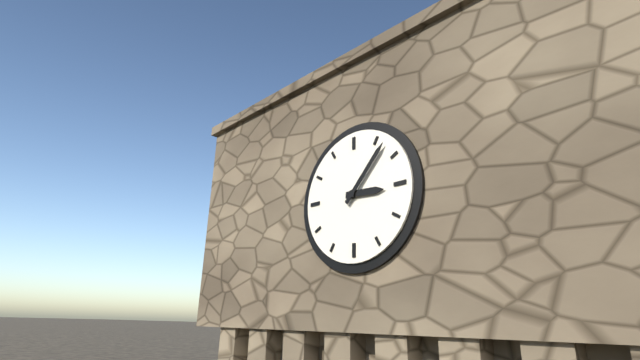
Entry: 3:07
